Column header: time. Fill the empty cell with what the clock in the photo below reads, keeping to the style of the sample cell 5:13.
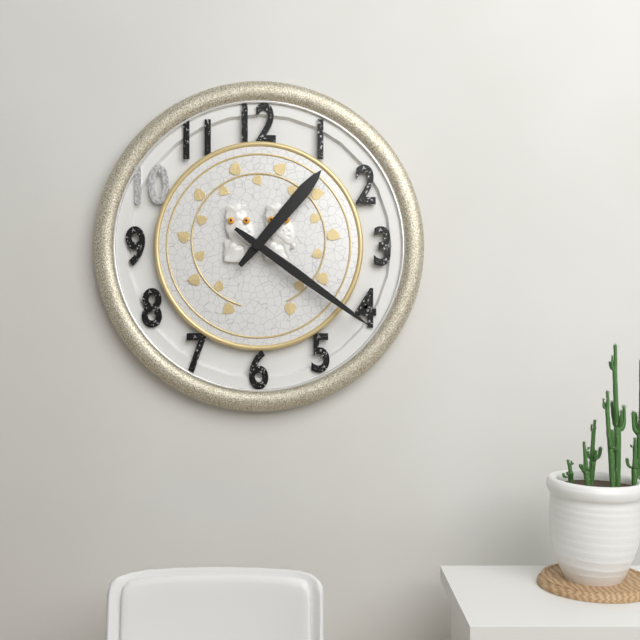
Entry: 1:21
